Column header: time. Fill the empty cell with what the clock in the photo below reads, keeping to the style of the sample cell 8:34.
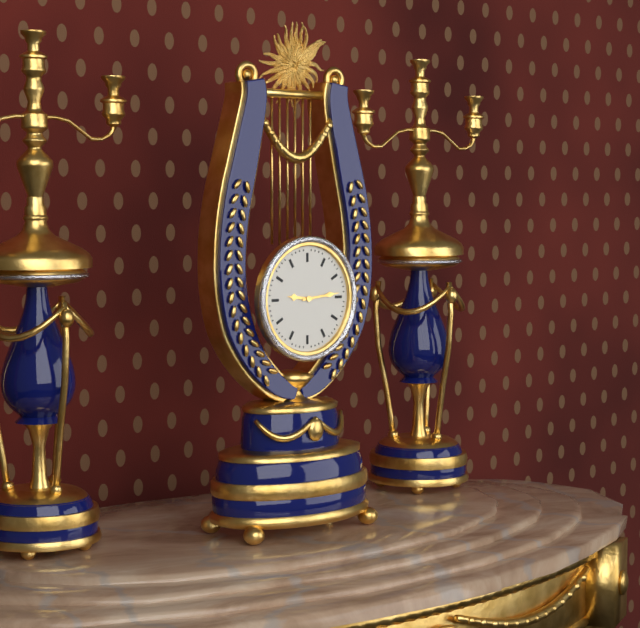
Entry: 9:14
